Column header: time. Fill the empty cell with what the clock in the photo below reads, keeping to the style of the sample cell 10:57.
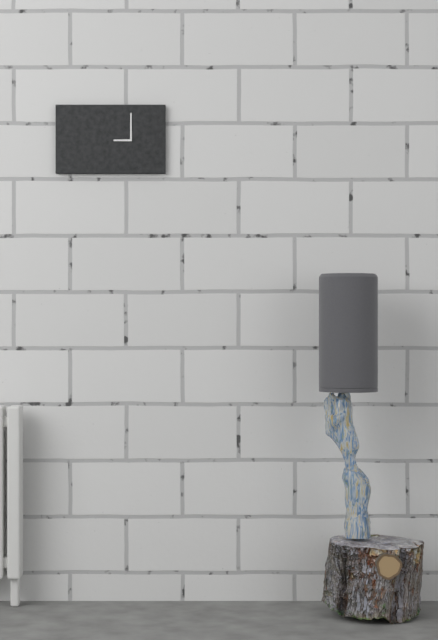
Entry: 9:00
